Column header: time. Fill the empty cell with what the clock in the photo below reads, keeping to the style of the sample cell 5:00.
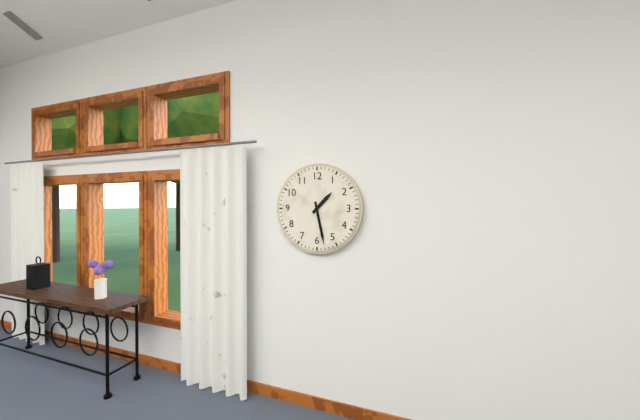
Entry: 1:28
